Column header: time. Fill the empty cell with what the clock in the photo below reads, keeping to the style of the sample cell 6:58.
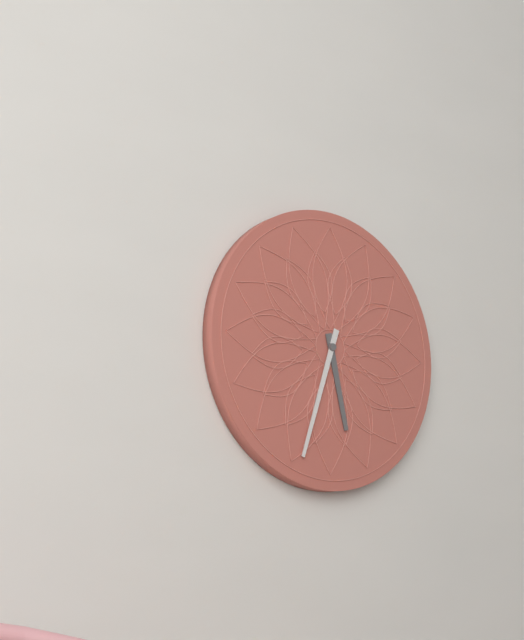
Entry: 5:33
